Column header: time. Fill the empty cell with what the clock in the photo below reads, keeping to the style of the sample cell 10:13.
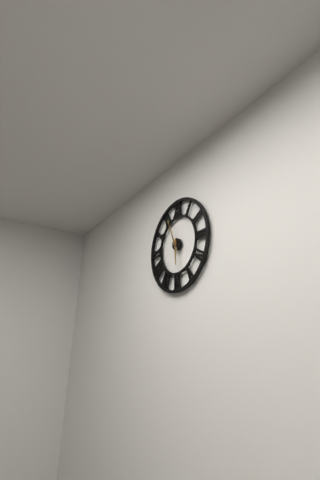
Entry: 5:56
